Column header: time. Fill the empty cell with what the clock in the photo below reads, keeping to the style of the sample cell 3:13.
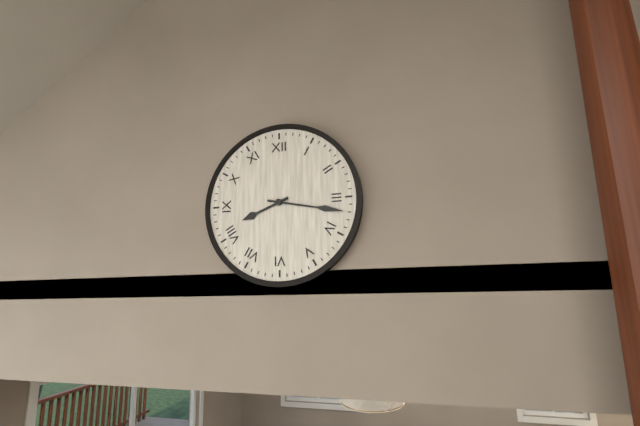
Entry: 8:17
